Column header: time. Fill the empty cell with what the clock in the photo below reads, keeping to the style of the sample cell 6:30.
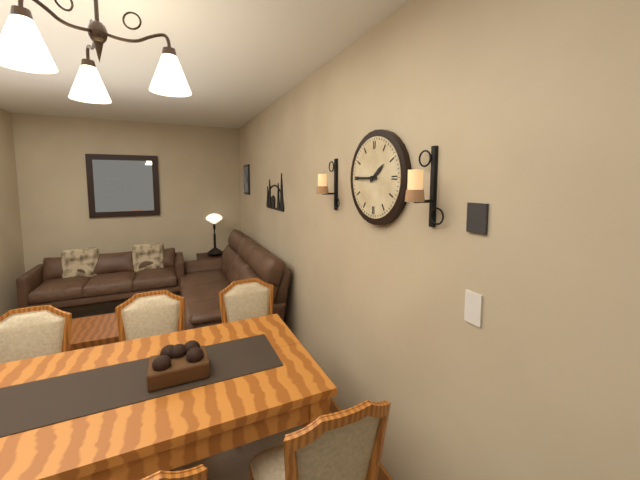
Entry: 1:45
